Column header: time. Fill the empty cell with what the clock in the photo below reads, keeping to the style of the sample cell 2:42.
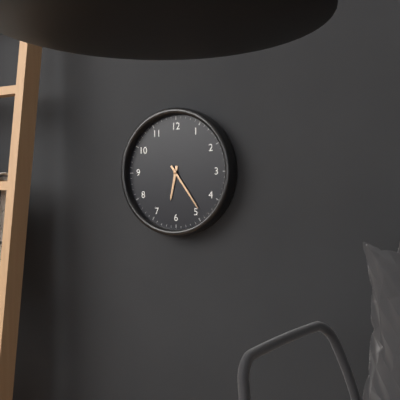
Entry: 6:24
